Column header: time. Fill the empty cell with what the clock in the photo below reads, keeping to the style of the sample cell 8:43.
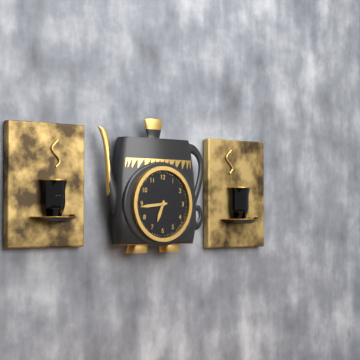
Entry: 6:44
